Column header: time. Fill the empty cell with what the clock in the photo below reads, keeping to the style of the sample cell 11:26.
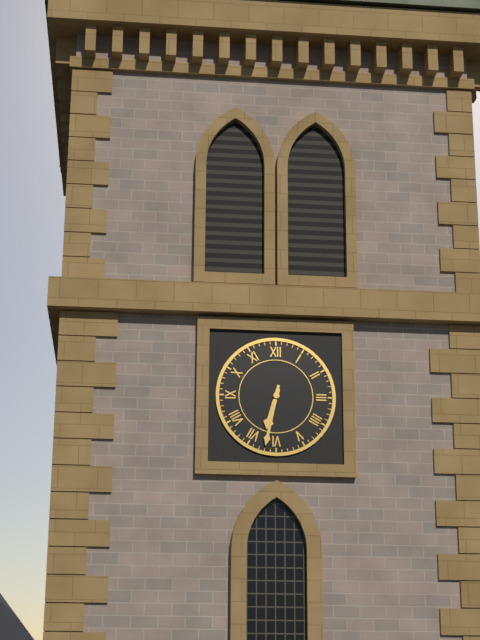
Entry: 6:32
